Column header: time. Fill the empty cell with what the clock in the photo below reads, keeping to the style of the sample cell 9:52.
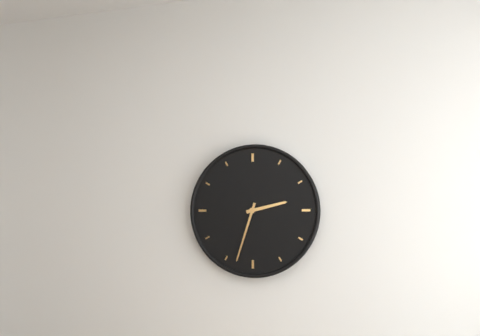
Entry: 2:33
